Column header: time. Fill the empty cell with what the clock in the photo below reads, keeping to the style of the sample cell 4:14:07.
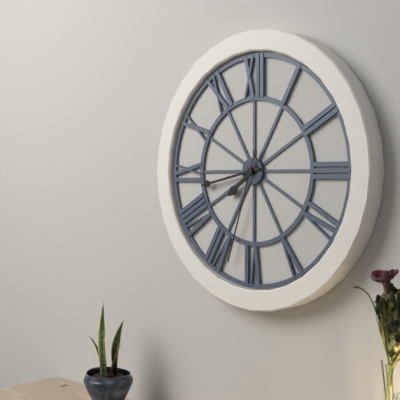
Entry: 7:43:33
